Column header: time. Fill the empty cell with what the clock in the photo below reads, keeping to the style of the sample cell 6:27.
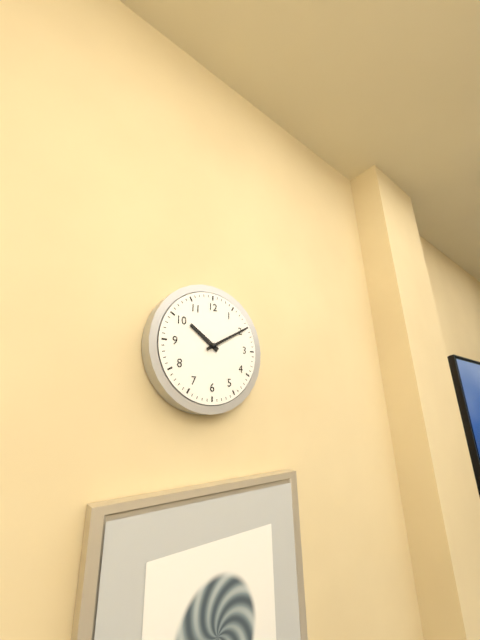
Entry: 10:10
